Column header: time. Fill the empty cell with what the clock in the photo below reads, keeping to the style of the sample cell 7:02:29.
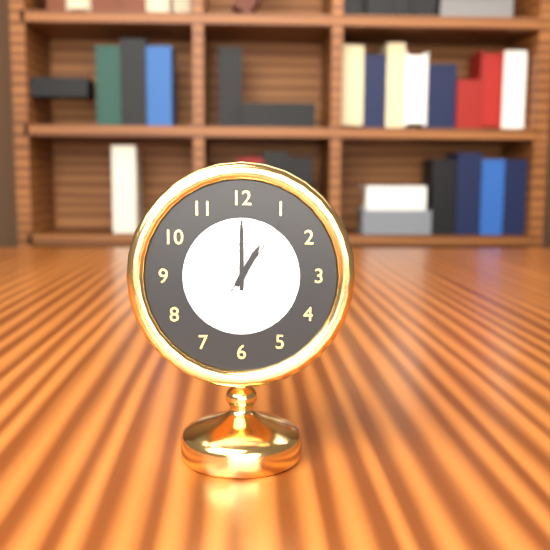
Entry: 1:00:06
